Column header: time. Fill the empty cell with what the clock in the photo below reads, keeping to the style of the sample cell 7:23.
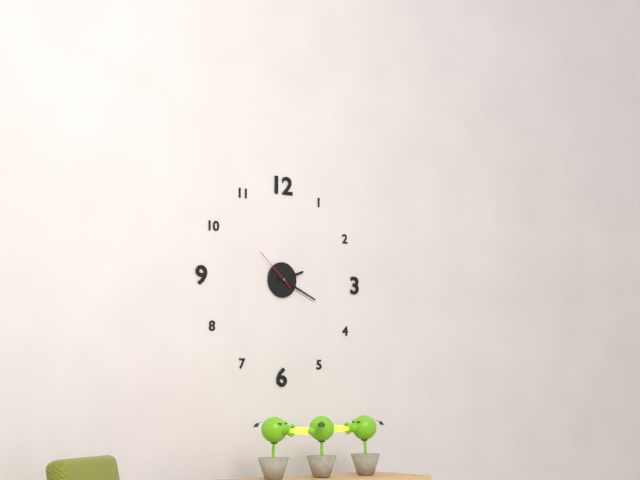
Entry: 2:19
